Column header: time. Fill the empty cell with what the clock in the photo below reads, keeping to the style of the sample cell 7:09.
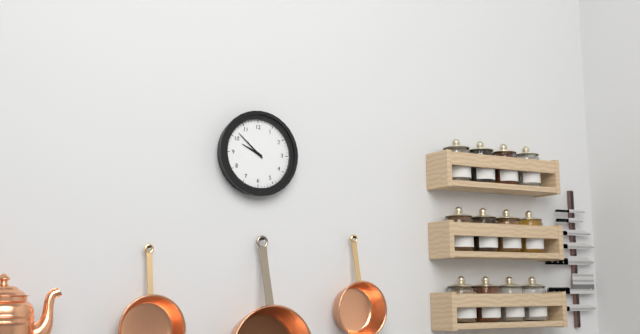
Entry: 9:52
